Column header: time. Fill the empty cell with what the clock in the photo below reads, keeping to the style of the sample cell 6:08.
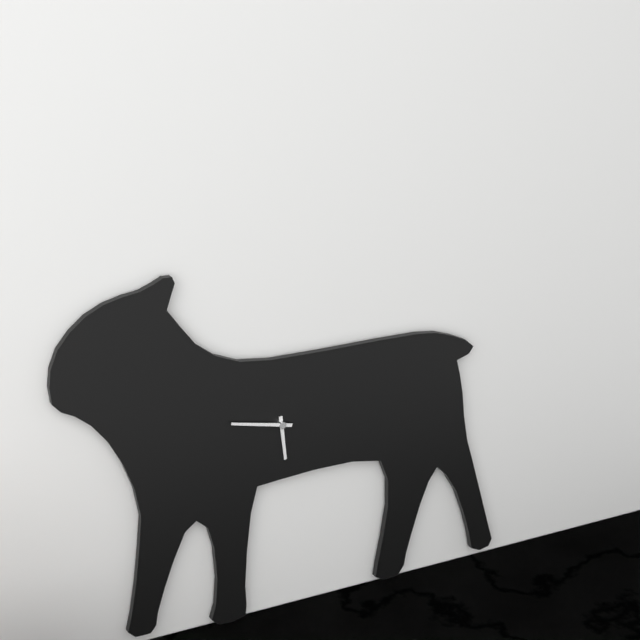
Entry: 5:47
